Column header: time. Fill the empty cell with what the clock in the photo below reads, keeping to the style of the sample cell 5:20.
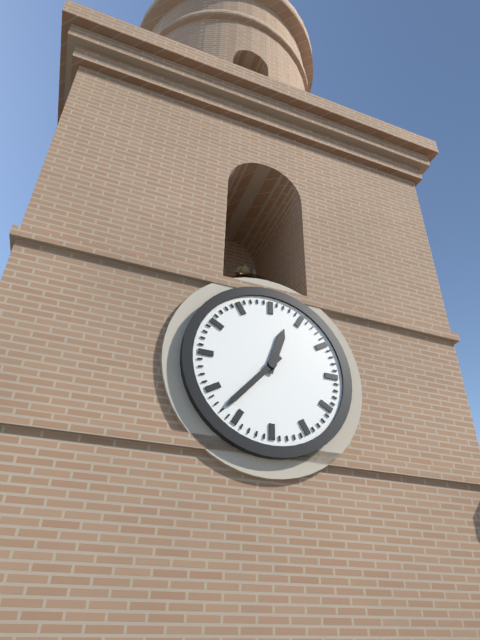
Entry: 12:37
